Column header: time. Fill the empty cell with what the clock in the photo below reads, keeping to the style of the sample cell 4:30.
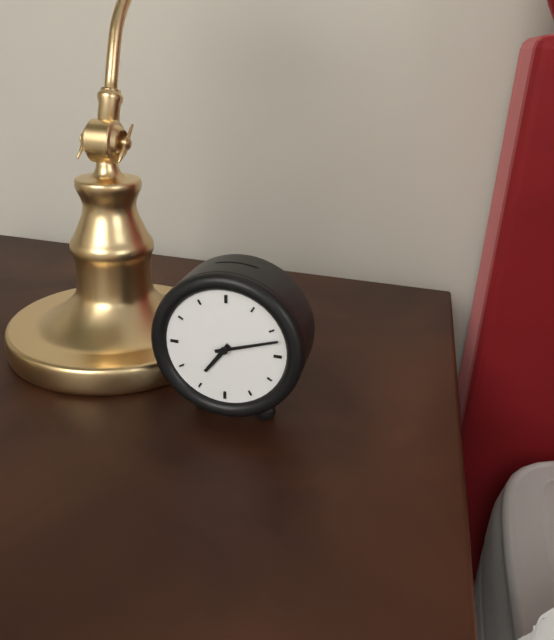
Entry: 7:12
